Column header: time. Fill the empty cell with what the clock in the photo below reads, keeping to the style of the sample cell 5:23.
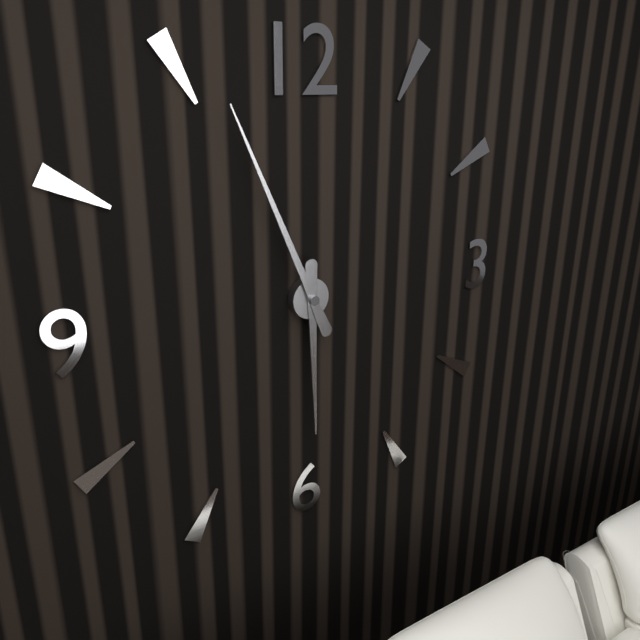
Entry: 5:56
